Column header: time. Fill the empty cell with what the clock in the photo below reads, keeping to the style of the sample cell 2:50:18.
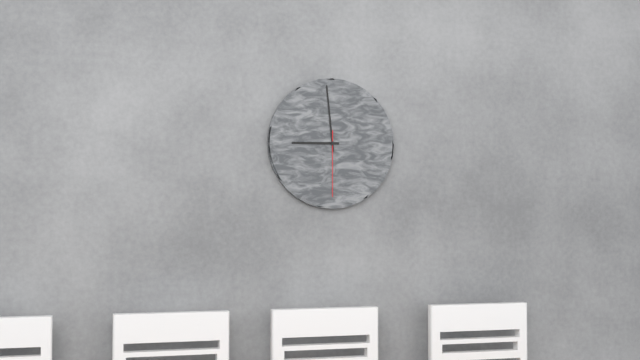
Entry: 8:59:30
